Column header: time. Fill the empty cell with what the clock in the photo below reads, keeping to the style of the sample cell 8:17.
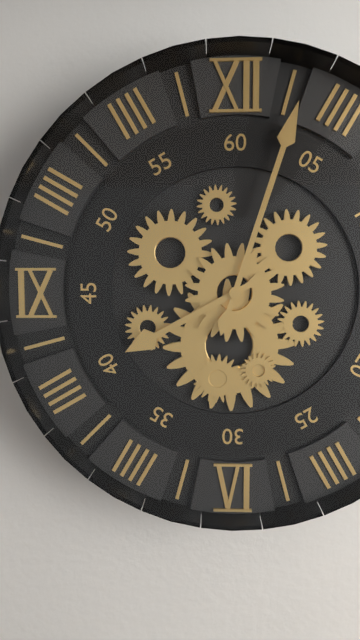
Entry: 8:03
